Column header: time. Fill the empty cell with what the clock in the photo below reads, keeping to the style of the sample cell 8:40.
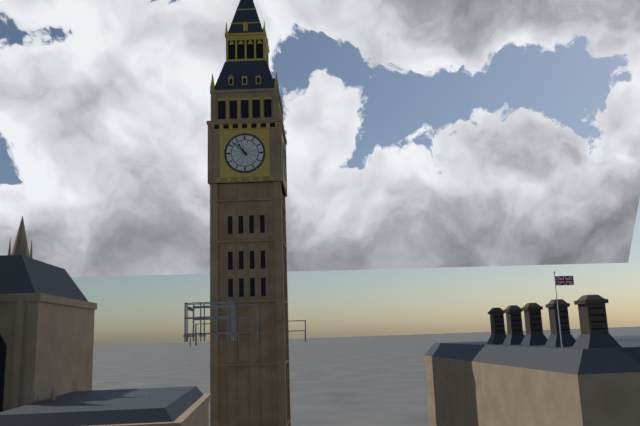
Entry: 10:52
